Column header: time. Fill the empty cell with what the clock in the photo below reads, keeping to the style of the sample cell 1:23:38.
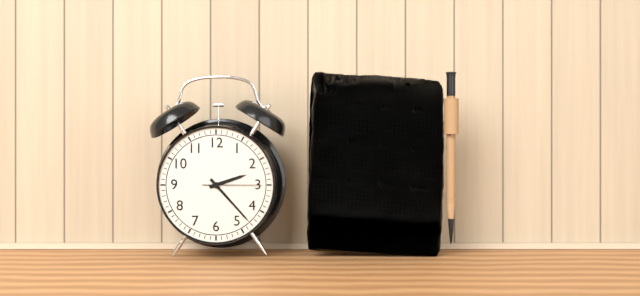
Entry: 2:23:15
